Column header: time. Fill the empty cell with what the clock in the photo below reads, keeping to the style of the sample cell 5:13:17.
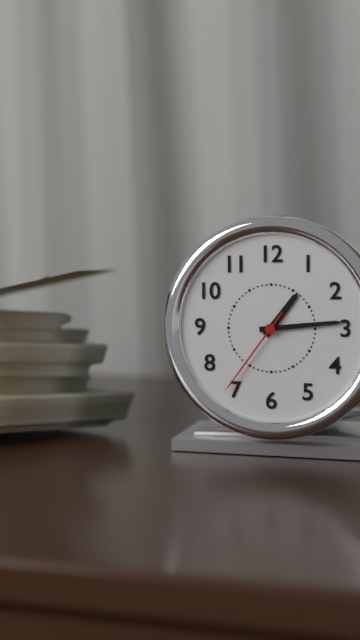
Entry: 1:14:36
